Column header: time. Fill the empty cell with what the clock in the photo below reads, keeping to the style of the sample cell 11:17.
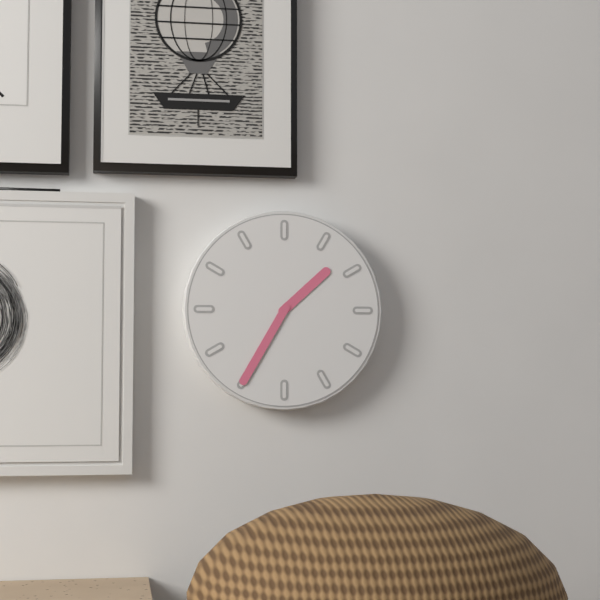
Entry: 1:35
